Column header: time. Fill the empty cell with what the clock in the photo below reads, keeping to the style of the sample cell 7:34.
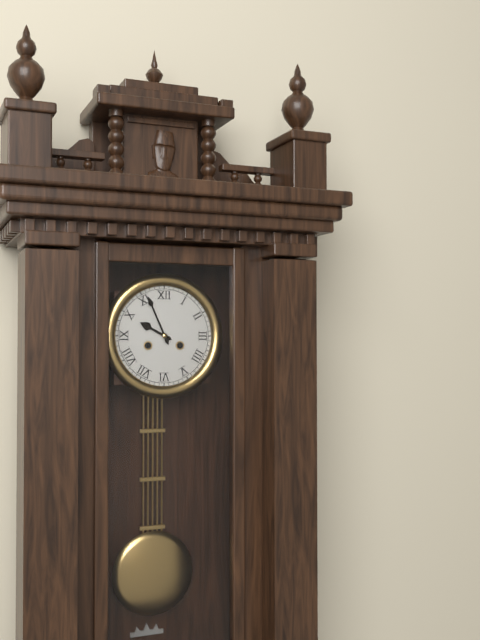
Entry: 9:56
